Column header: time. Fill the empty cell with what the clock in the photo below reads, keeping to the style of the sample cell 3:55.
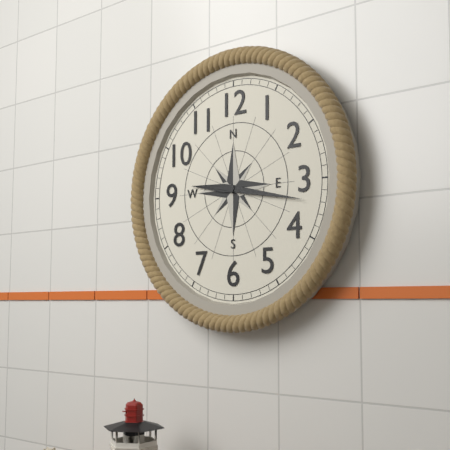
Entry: 9:17
